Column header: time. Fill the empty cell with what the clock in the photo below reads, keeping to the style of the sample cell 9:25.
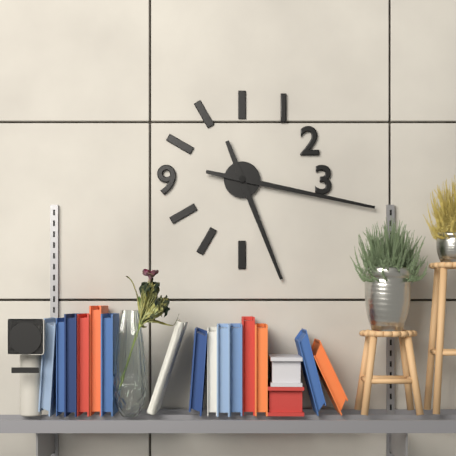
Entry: 5:17
